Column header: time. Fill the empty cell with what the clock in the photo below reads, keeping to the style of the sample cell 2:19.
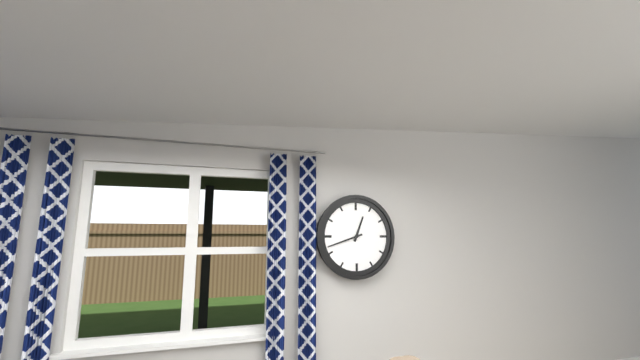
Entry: 12:42
